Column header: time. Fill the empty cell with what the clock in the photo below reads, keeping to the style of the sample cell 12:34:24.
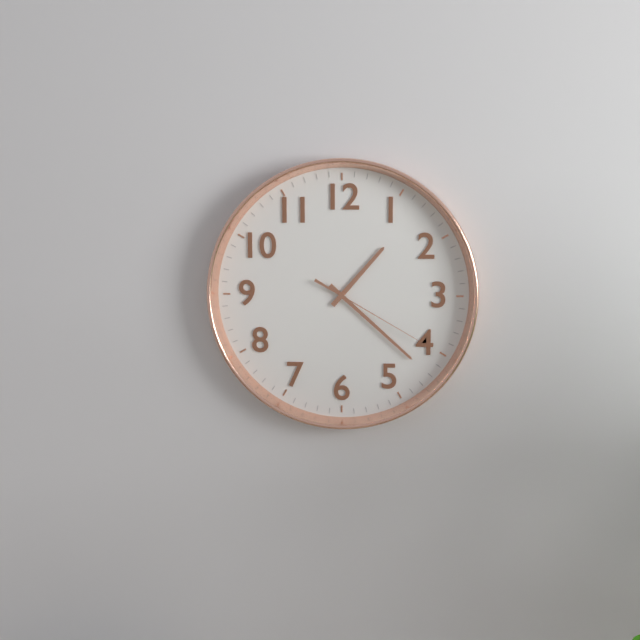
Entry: 1:22:20
